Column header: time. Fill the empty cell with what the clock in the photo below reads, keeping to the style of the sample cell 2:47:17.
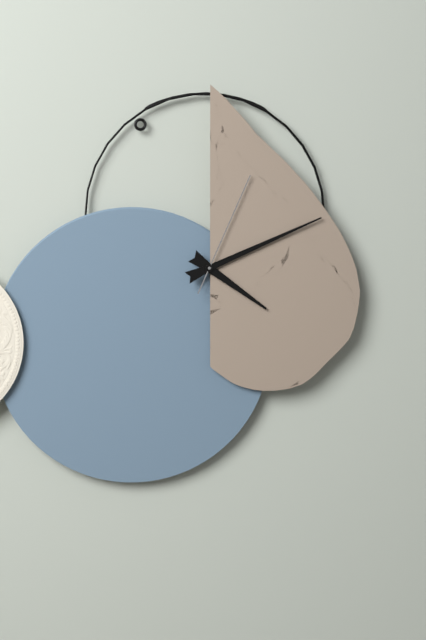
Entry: 4:11:04
